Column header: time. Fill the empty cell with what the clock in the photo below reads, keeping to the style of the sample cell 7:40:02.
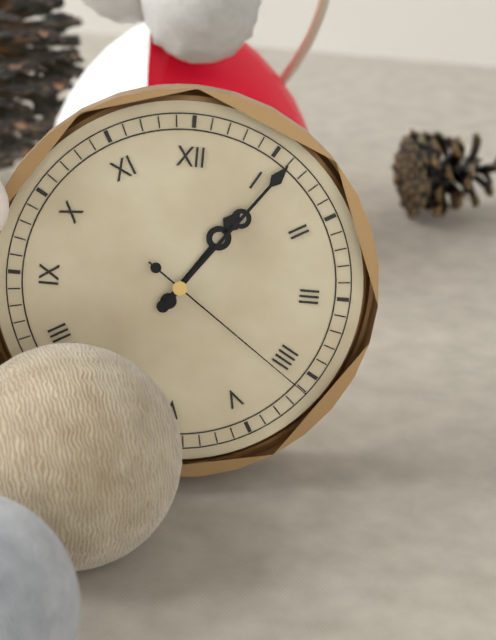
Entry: 1:06:21
